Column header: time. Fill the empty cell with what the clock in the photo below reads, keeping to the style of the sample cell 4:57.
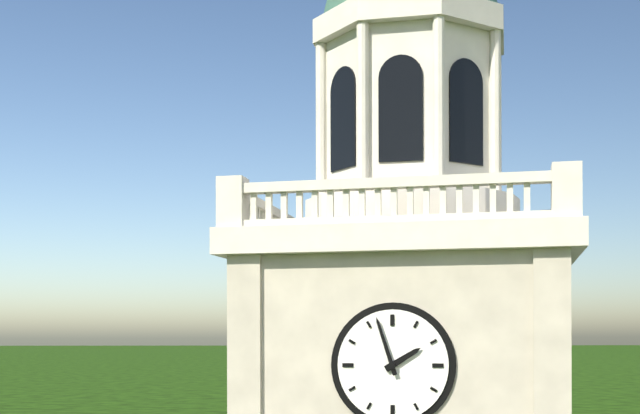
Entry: 1:57
